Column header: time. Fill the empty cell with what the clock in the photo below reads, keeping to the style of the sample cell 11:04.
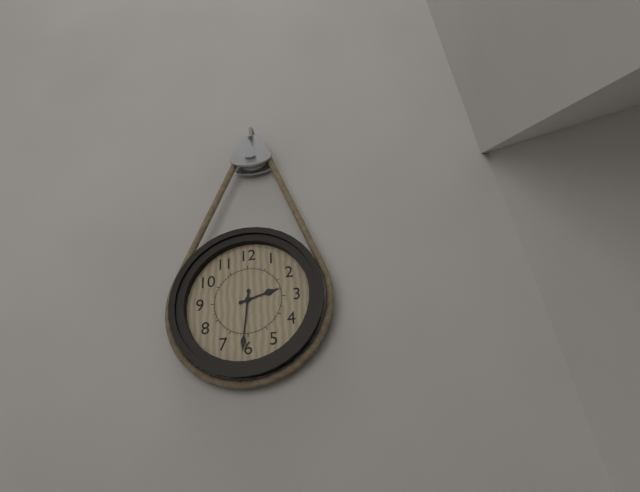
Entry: 2:31
